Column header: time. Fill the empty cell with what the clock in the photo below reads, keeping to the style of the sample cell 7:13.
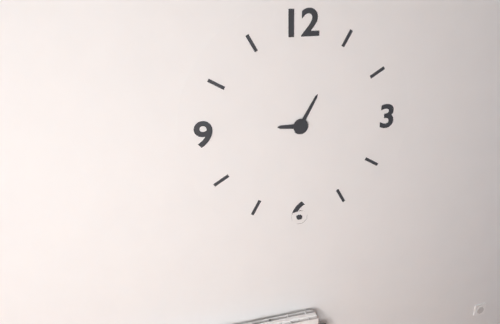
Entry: 9:05
